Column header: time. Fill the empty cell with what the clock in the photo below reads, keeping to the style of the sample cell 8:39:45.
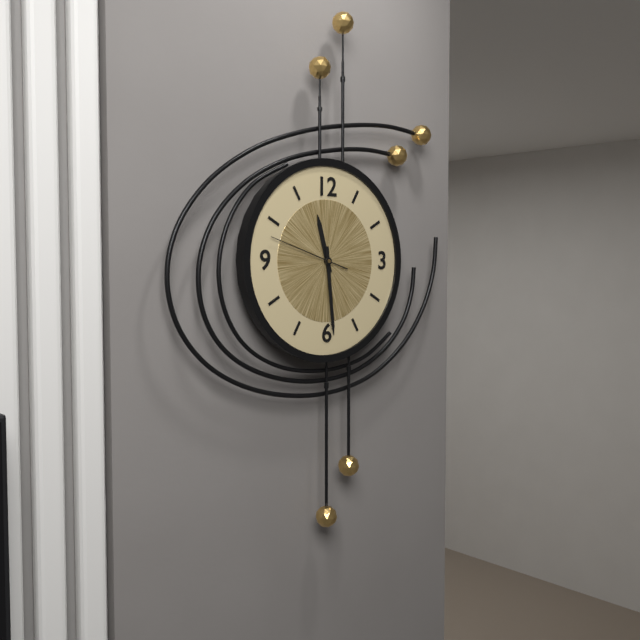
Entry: 11:29:48
